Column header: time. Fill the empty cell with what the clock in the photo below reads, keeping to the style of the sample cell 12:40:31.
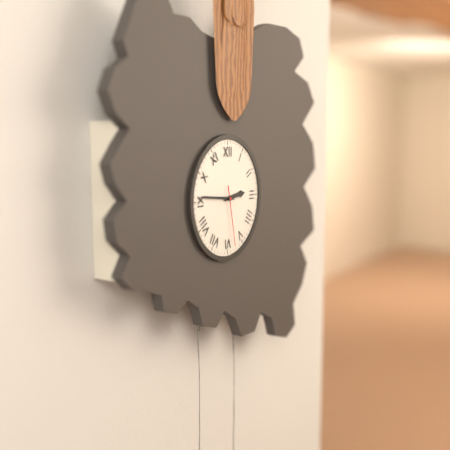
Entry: 2:46:28
